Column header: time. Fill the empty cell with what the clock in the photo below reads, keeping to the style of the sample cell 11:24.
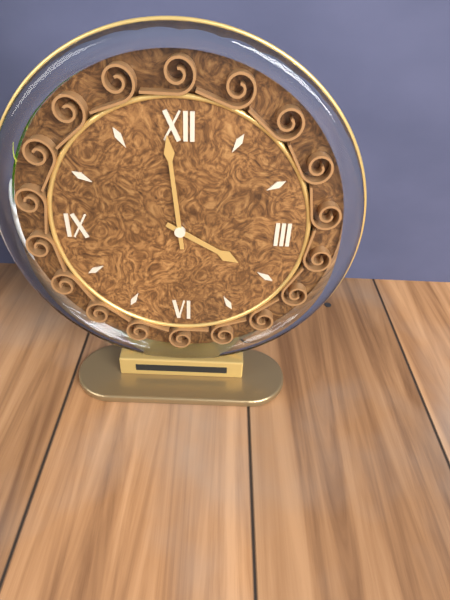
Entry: 3:59
